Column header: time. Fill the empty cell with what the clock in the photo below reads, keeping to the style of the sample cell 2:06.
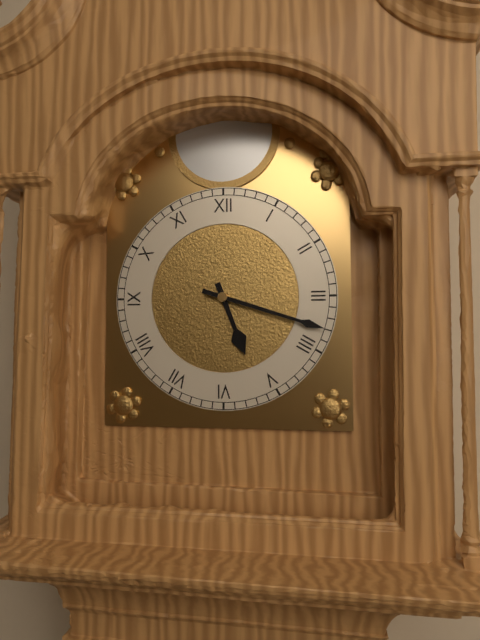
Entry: 5:18
